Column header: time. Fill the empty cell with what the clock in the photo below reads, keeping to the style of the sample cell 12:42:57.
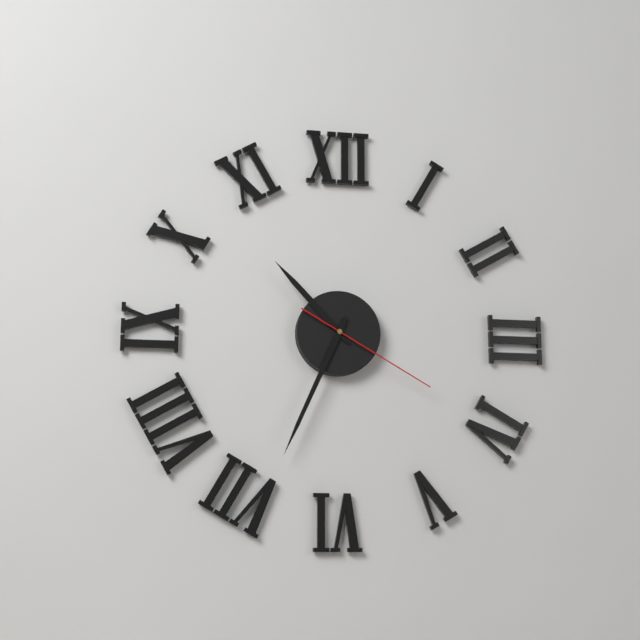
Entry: 10:34:20
